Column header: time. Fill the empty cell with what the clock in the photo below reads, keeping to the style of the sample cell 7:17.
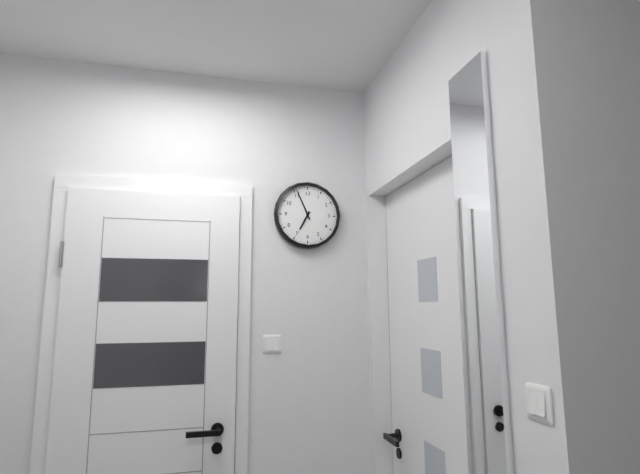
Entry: 6:56
